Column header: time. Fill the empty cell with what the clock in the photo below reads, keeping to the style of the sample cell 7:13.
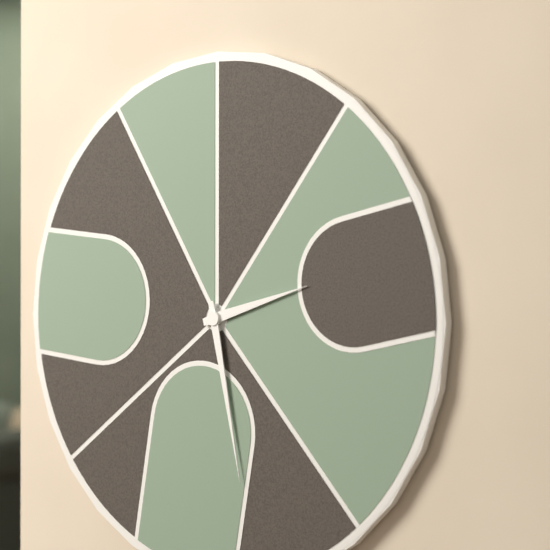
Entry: 2:28
